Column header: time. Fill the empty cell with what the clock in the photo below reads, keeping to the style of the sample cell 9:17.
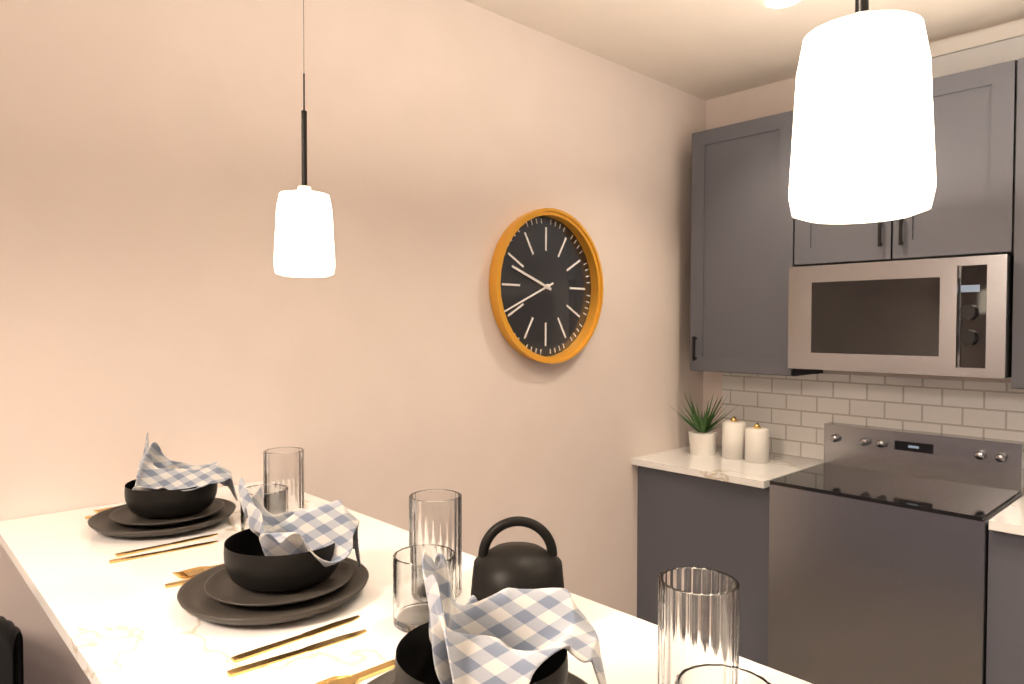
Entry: 9:41
